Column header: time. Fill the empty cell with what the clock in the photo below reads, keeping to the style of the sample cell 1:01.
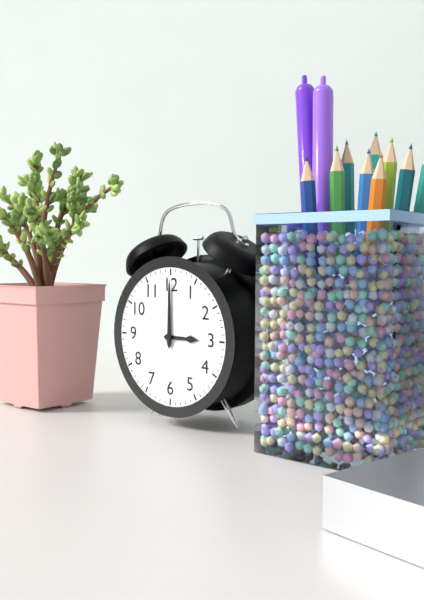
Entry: 3:00
